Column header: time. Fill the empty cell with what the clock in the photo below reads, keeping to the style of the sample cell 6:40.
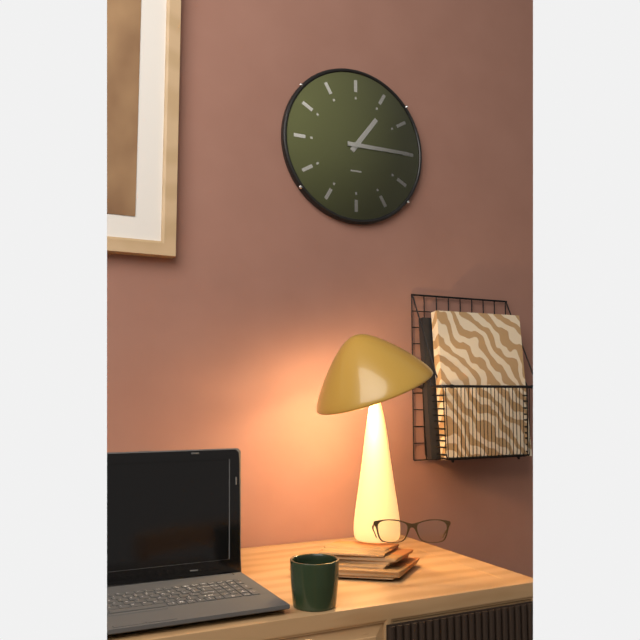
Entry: 1:15
